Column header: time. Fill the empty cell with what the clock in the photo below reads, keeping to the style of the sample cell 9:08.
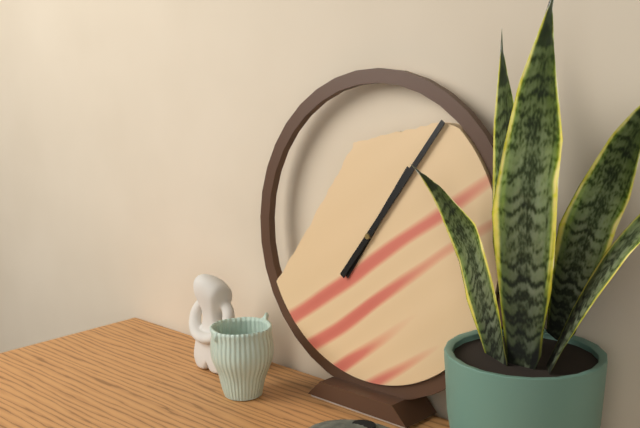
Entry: 1:06
